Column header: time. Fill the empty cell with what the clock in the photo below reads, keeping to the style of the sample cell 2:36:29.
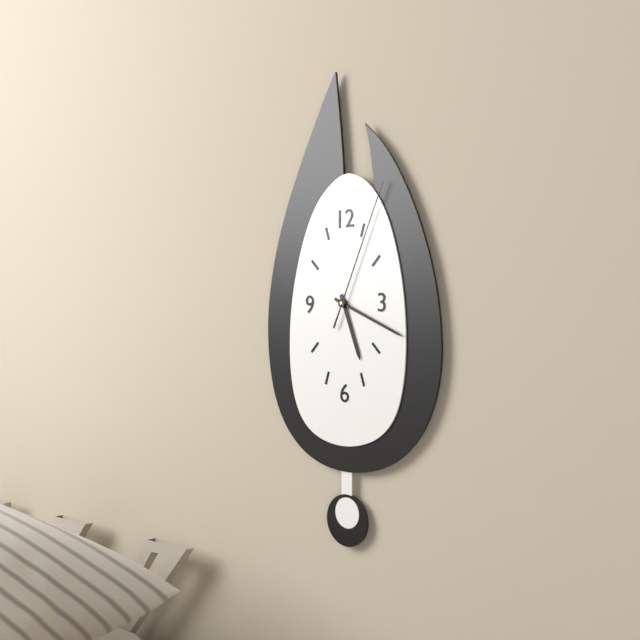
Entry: 5:19:04
